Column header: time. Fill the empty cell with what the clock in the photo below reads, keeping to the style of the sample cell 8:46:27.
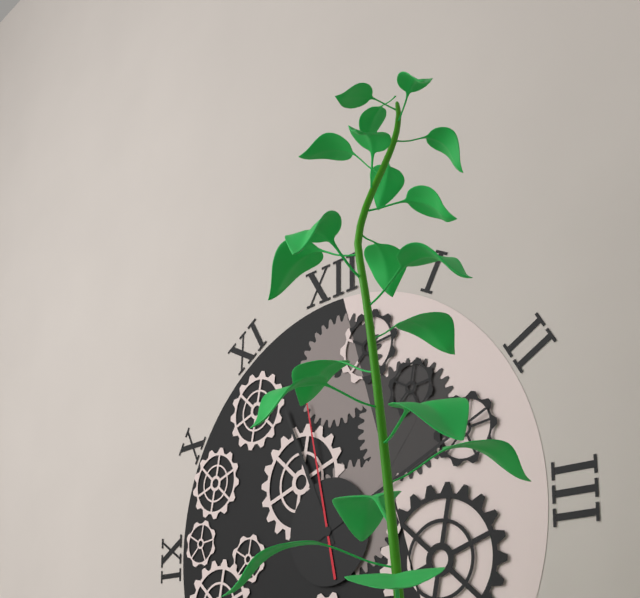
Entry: 11:11:58
